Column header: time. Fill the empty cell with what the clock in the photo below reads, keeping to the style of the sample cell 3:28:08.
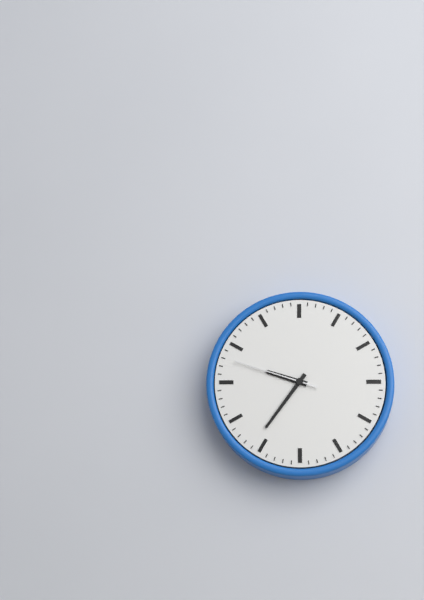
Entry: 9:36:48
